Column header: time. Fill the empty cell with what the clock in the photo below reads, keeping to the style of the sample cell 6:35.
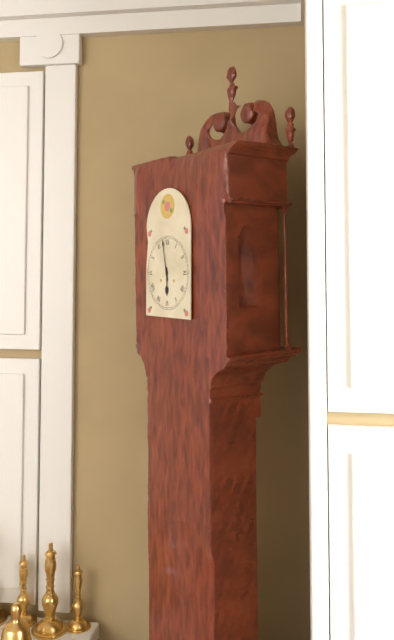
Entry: 5:58
